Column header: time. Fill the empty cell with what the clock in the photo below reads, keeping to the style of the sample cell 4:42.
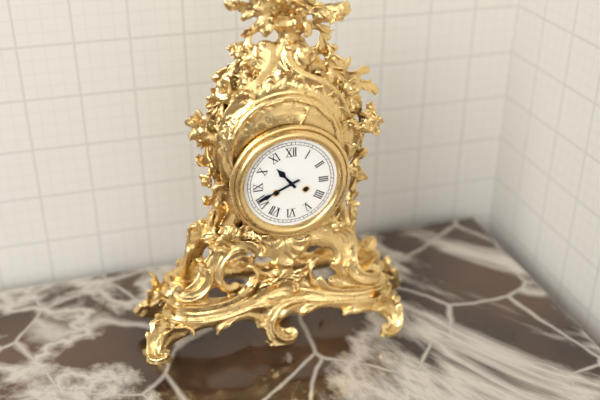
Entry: 10:41
